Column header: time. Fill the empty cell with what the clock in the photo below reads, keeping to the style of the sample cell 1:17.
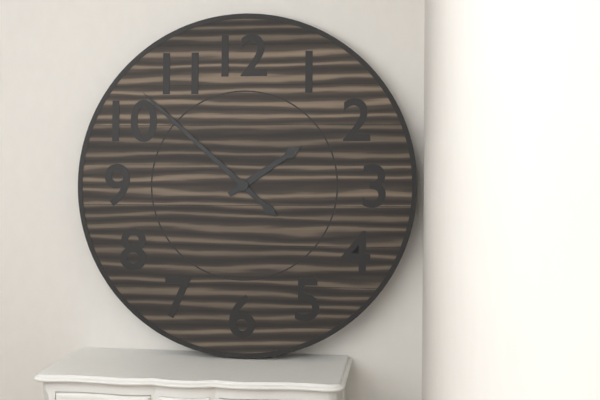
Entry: 1:52
